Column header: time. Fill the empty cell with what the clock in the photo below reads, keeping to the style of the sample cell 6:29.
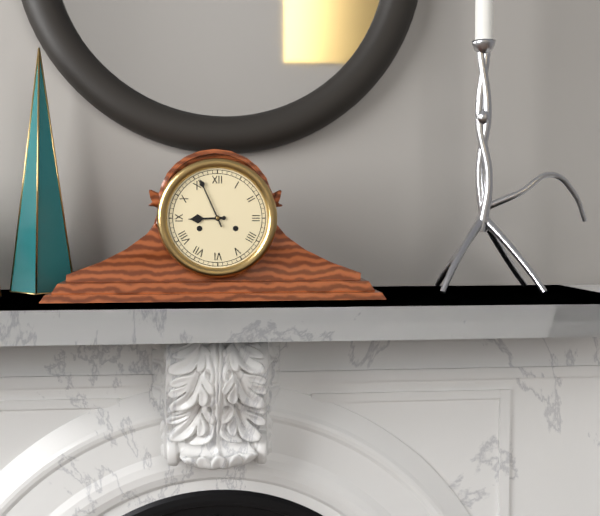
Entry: 8:56
